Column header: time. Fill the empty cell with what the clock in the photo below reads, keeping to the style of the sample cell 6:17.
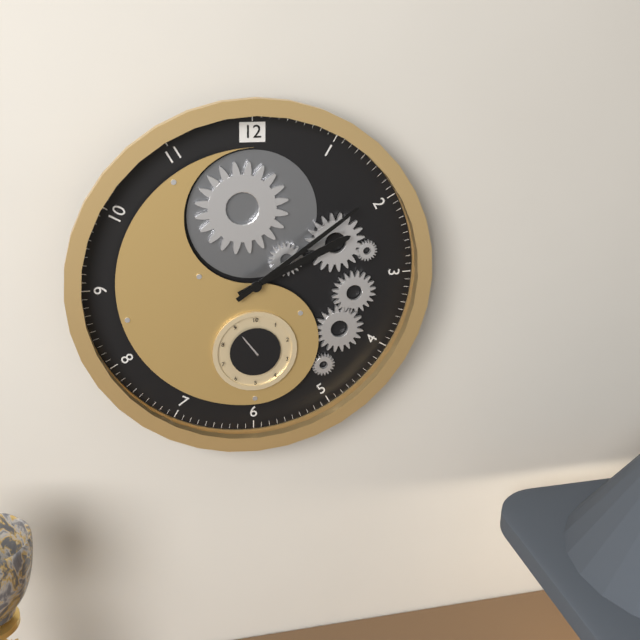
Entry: 2:09
